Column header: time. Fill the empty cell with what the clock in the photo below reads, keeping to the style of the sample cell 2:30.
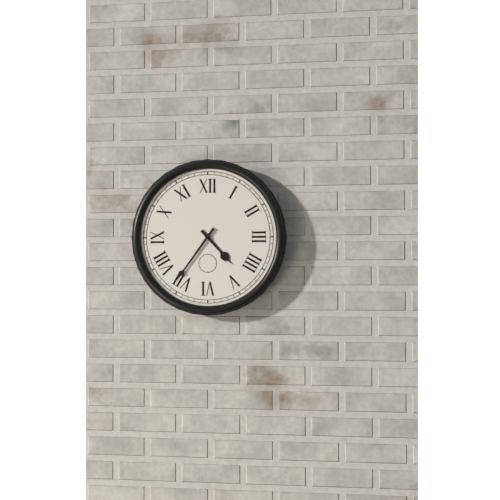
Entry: 4:36
